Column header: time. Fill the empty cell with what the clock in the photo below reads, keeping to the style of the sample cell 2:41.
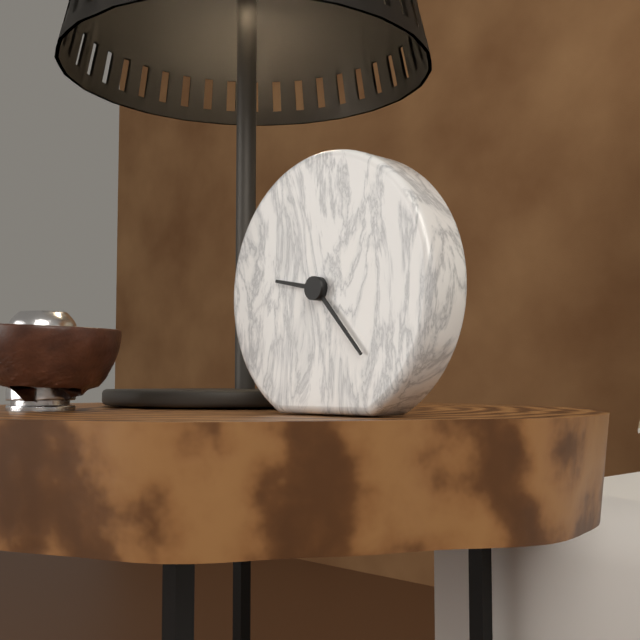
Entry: 9:23
